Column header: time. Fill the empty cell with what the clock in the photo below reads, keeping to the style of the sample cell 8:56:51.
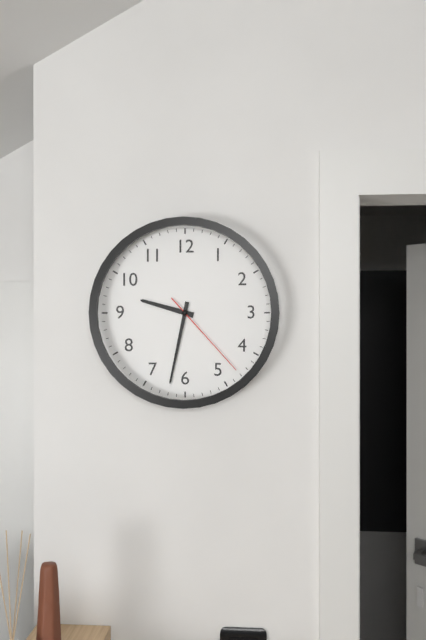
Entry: 9:32:23
